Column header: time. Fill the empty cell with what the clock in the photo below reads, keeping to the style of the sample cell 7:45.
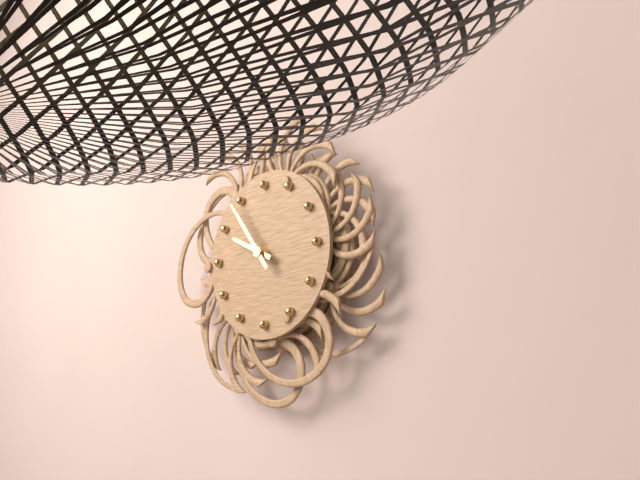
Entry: 9:54
